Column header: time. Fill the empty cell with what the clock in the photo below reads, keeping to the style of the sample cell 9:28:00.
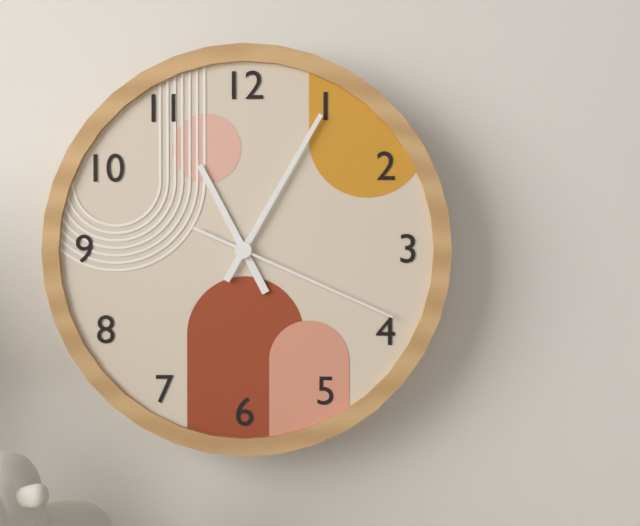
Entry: 11:05:19
